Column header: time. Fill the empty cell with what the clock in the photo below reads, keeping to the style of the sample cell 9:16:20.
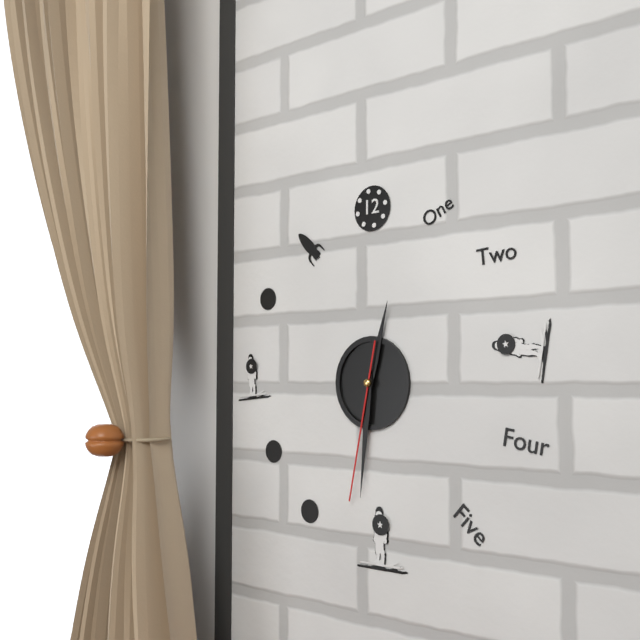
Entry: 12:31:32
